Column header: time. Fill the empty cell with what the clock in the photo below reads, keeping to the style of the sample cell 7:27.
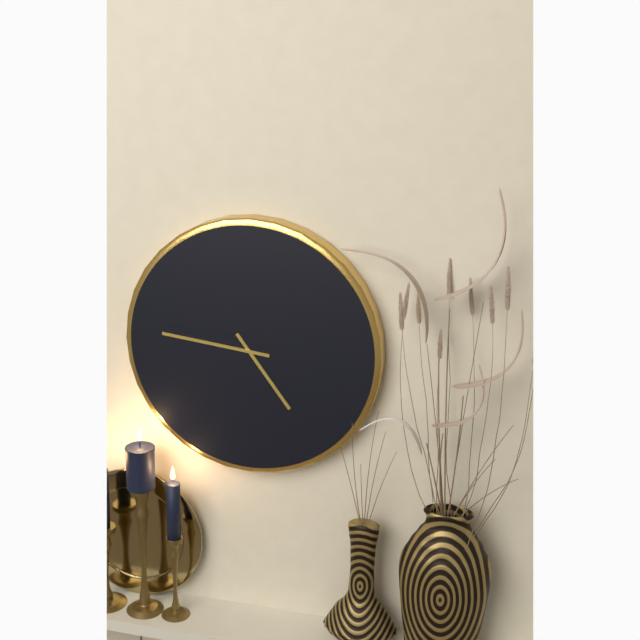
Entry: 4:46
